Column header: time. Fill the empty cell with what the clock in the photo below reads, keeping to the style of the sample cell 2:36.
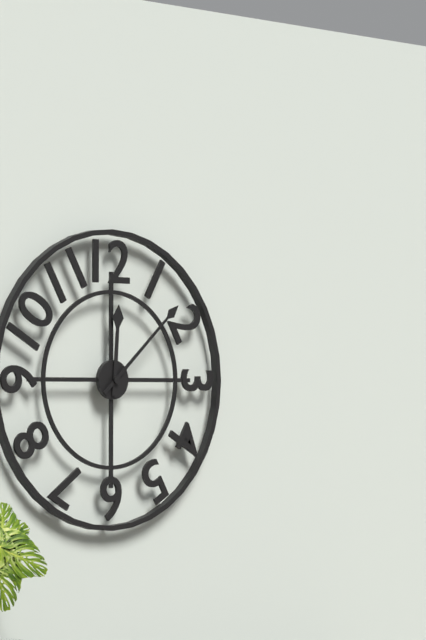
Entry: 12:08
